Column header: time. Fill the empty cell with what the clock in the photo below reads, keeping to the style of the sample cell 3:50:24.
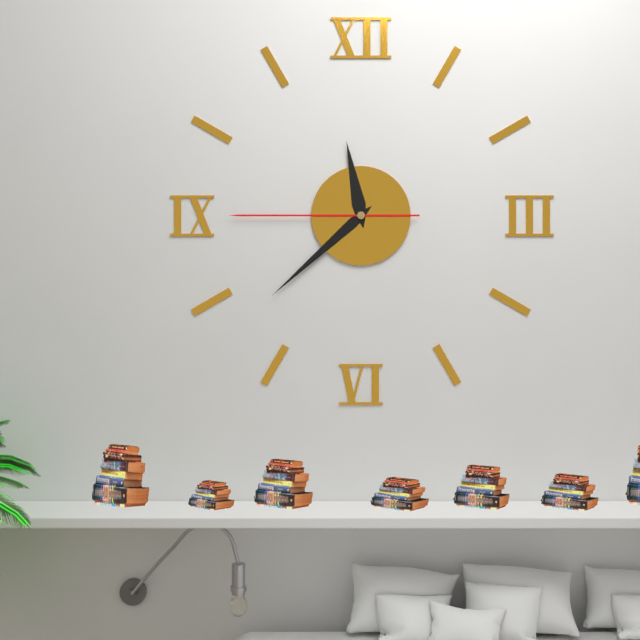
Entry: 11:38:45
